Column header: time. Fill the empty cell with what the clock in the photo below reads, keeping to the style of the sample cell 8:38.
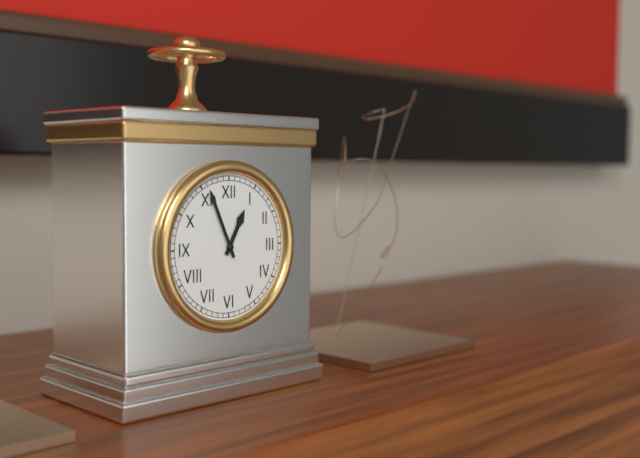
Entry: 12:56
